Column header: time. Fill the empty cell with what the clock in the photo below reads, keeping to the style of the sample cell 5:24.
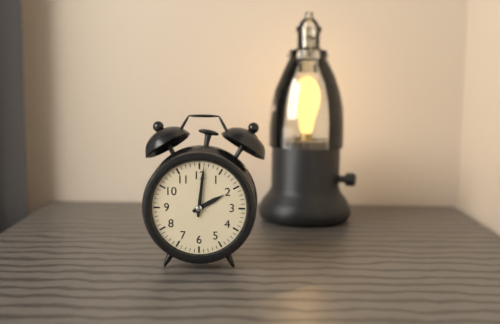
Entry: 2:01
